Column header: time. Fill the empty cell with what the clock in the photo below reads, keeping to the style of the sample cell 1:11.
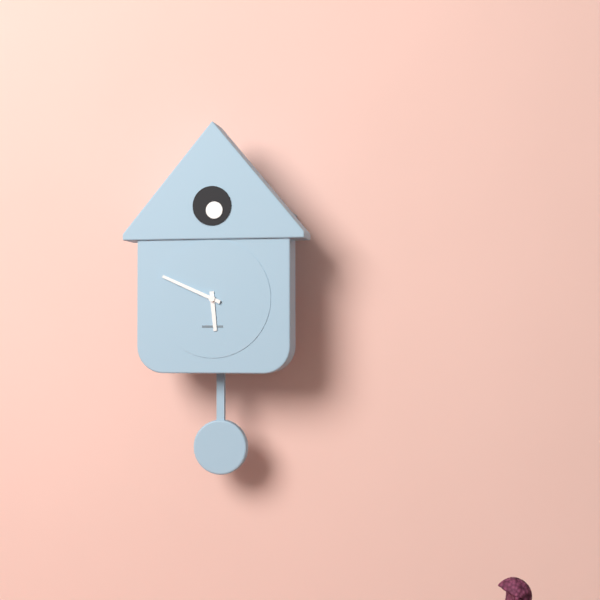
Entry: 5:49
